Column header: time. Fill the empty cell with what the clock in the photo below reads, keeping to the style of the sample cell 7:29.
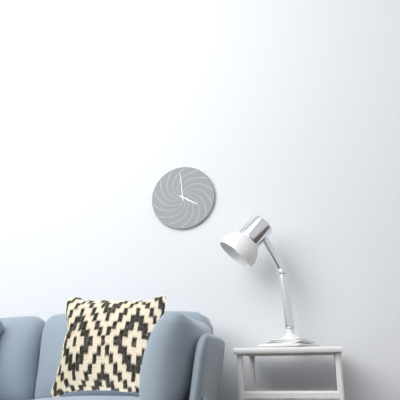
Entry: 3:59
